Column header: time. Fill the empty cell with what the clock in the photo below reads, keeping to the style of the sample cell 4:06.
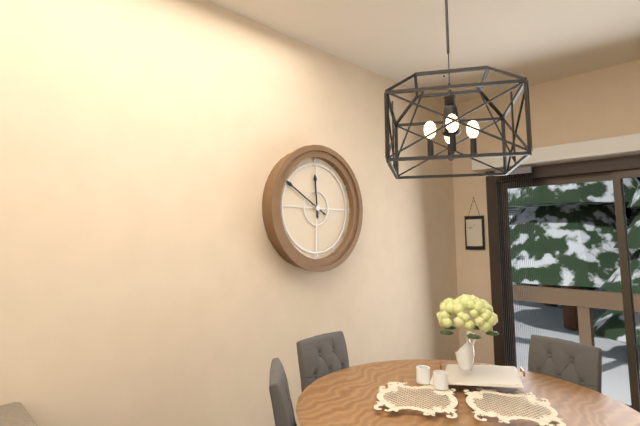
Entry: 11:50
